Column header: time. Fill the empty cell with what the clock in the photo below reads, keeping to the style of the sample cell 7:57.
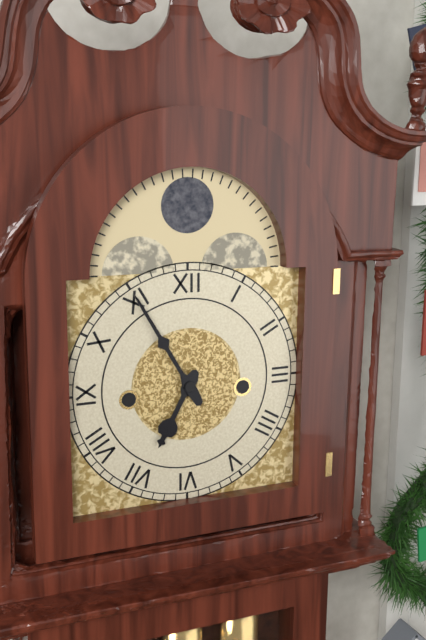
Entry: 6:55
